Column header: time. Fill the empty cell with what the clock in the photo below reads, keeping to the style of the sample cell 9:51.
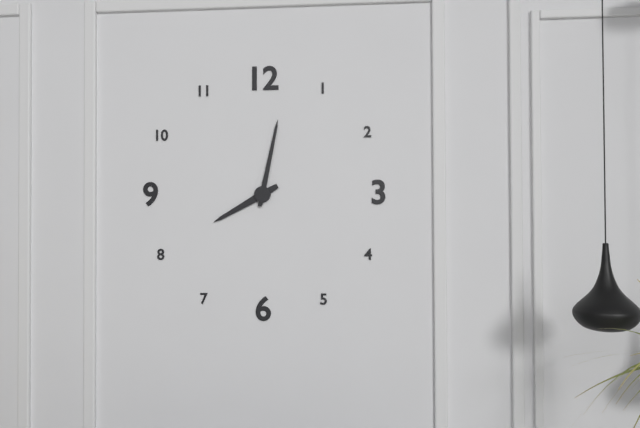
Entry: 8:02
